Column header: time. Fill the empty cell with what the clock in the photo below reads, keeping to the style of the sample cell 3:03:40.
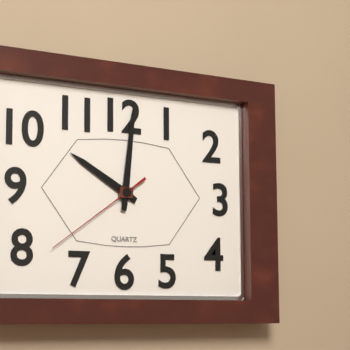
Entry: 10:01:39
